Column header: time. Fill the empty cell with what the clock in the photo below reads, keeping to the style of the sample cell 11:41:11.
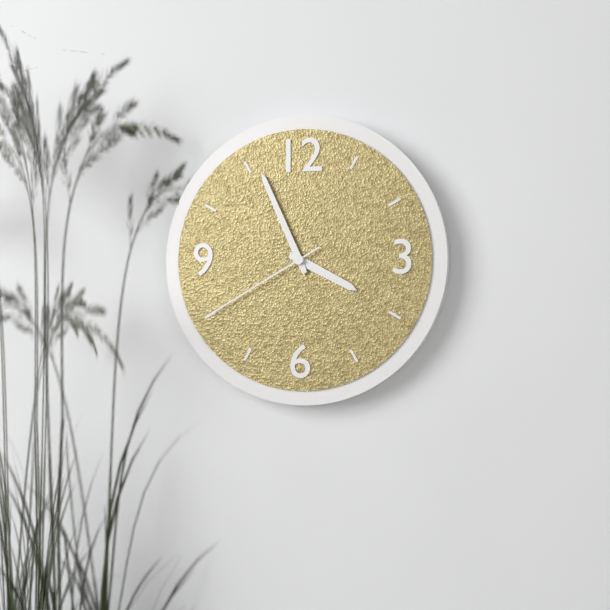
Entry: 3:56:40
